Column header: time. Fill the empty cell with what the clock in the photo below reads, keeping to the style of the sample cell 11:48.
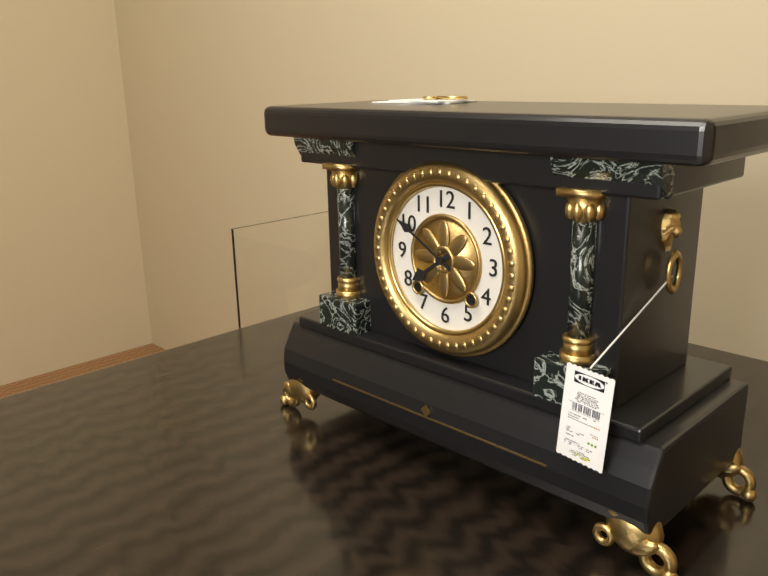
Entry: 7:50
